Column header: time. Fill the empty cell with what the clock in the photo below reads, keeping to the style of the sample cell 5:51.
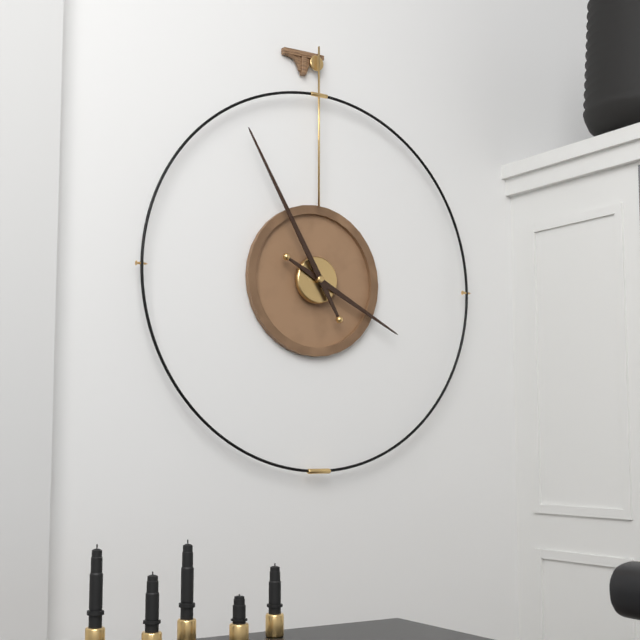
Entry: 3:55
